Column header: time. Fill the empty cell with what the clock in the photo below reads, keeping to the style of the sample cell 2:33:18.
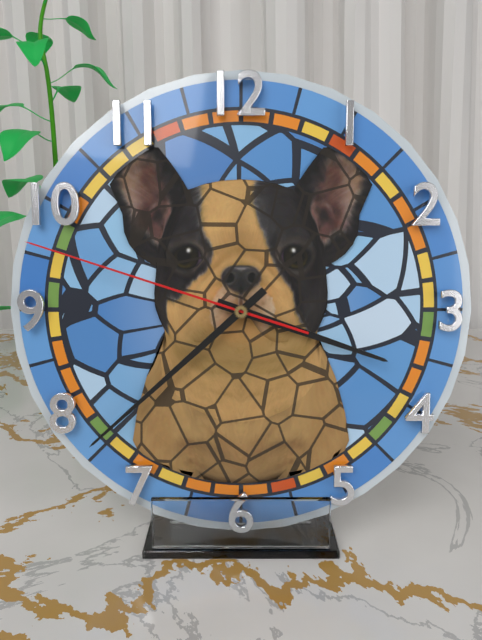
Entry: 3:38:48
